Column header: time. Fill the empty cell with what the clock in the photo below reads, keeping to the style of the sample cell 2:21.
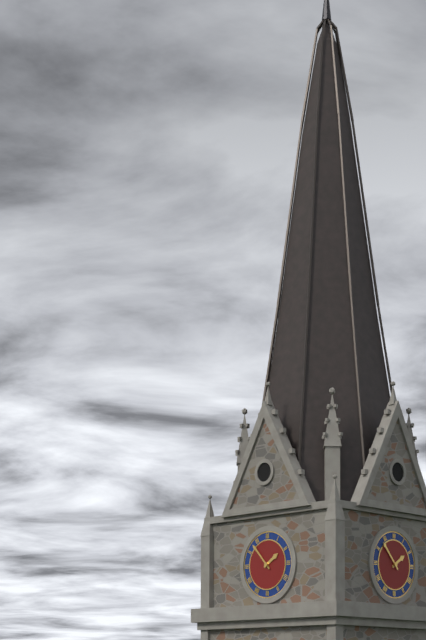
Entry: 1:53
